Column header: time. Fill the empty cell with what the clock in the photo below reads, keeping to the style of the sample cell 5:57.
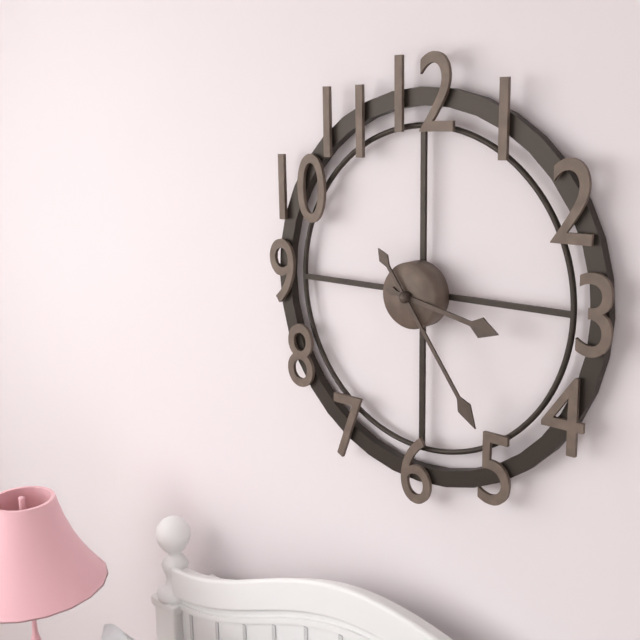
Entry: 3:24
